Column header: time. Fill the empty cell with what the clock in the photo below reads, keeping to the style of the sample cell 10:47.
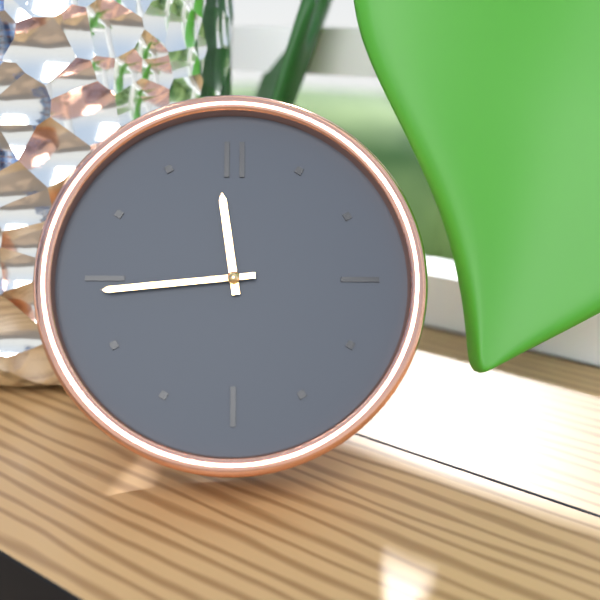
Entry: 11:44
